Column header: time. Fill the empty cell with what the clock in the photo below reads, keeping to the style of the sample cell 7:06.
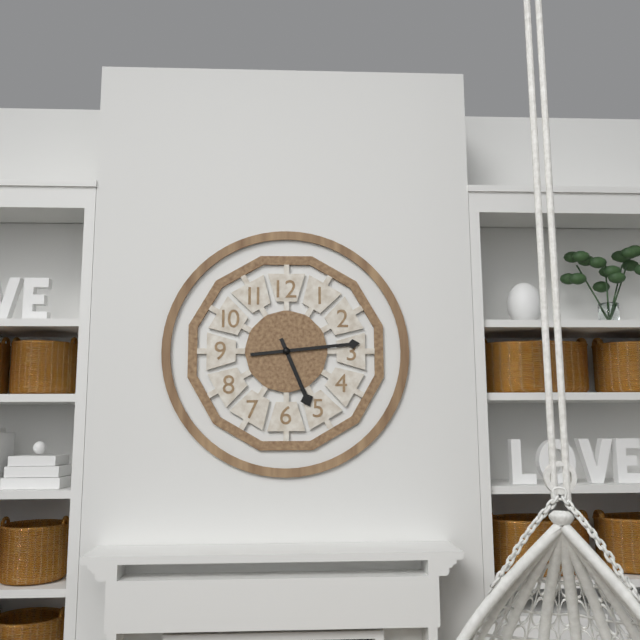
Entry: 5:14
